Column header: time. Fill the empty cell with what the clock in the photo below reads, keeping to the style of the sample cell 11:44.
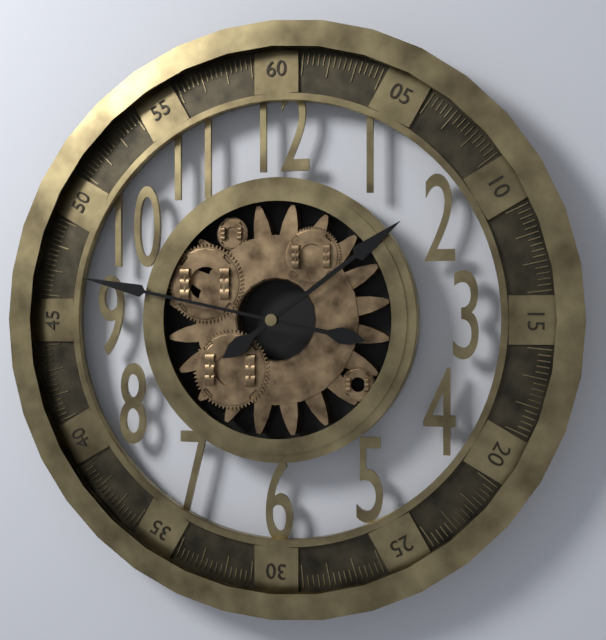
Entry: 1:47
